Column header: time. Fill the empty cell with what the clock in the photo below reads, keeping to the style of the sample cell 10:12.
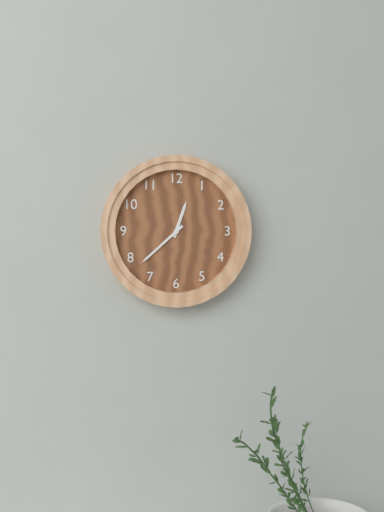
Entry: 12:38
